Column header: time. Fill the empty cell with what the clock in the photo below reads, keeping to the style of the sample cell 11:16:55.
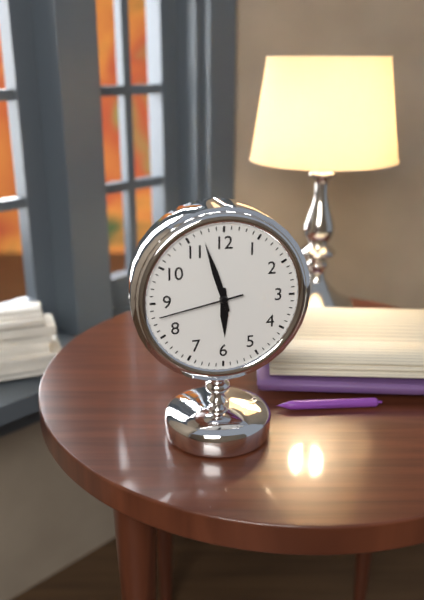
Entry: 5:57:43
